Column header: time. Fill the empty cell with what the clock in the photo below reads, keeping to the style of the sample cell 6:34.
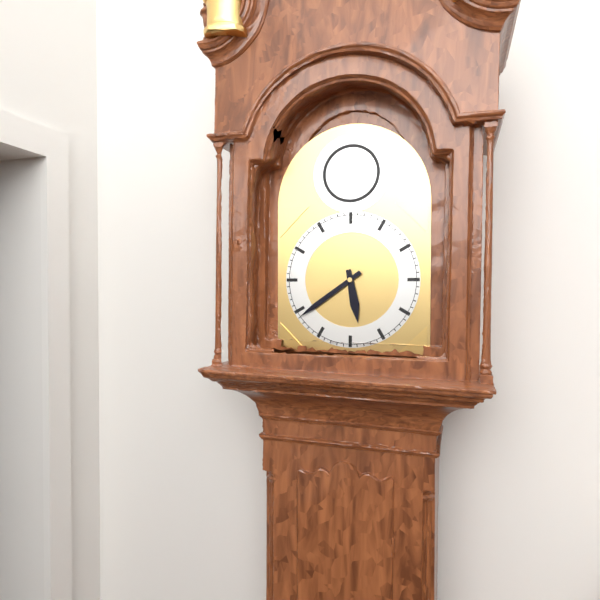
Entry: 5:39
